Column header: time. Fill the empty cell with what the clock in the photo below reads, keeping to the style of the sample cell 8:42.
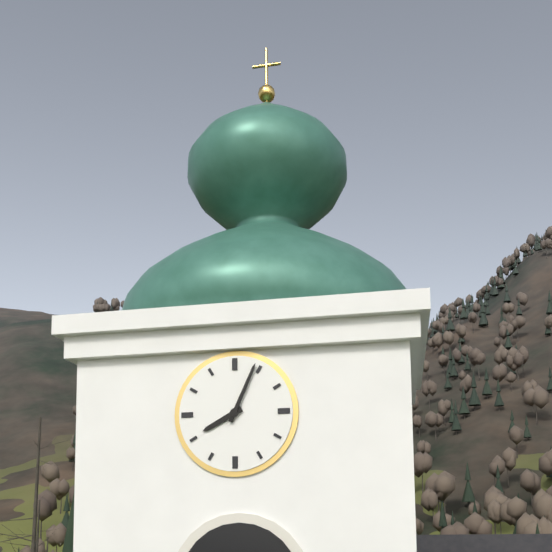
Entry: 8:04
